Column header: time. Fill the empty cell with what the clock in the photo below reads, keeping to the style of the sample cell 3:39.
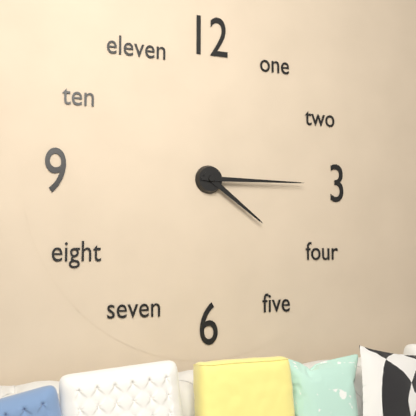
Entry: 4:15
